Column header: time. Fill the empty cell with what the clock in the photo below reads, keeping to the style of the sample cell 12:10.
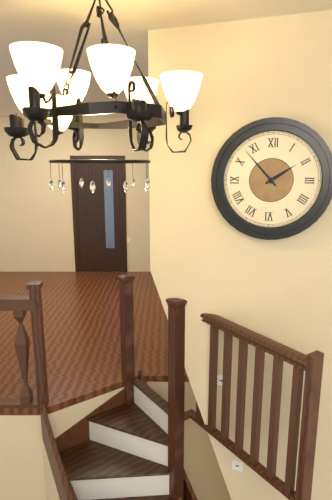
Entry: 1:53
